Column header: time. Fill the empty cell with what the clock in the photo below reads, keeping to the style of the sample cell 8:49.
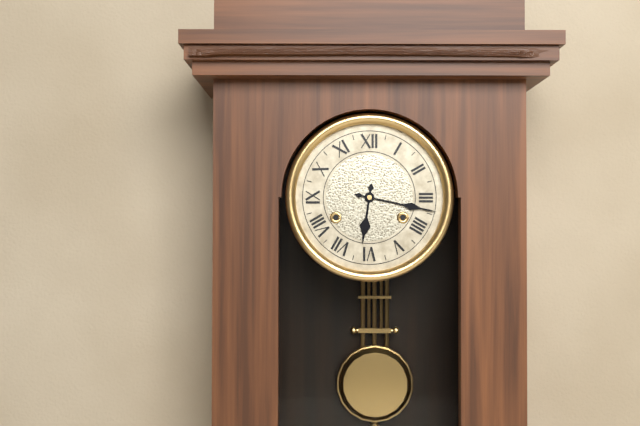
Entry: 6:17
